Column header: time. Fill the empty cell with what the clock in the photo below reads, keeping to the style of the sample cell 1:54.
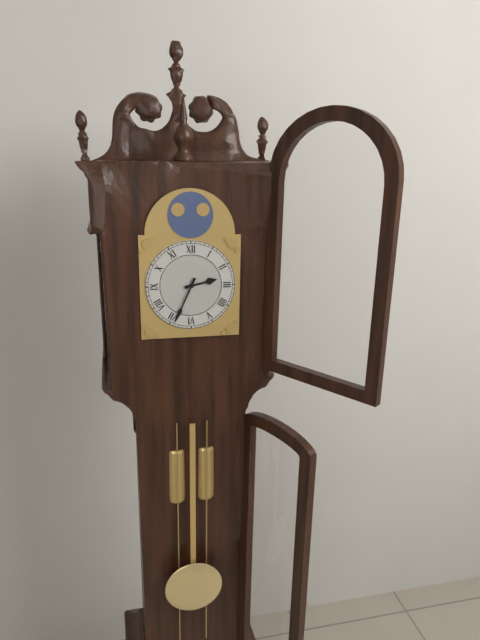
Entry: 2:34
